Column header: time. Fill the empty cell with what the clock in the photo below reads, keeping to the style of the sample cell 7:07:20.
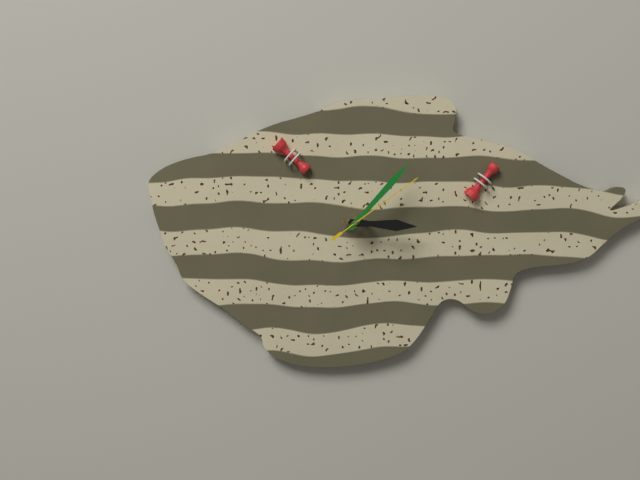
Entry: 3:07:09
